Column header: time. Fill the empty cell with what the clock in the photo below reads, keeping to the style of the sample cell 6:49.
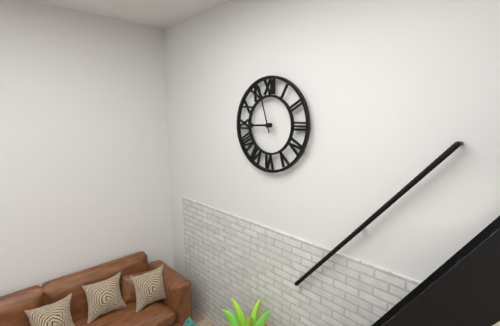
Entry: 8:57
